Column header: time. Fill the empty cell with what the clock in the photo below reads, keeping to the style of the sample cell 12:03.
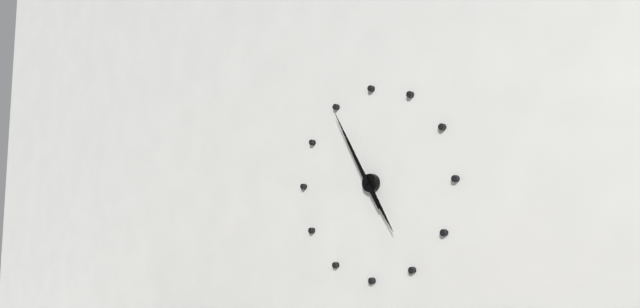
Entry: 4:55
